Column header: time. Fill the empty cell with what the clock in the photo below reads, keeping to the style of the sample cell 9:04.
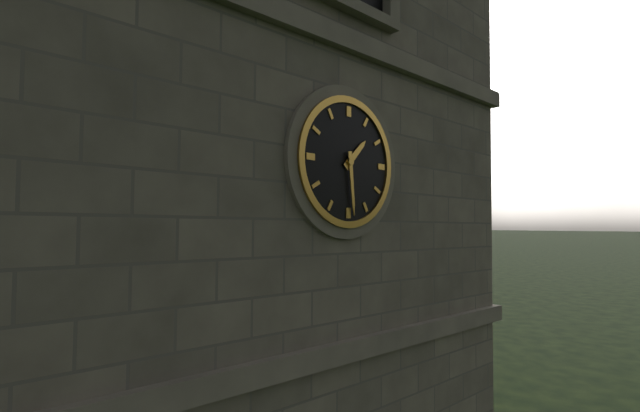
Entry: 1:29
